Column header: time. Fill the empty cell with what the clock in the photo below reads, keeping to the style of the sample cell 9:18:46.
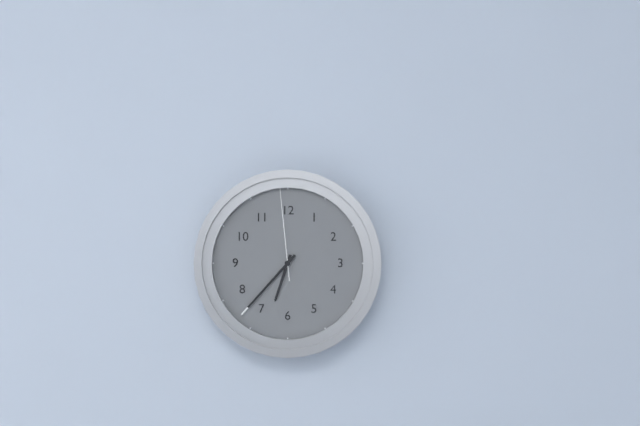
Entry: 6:37:59
